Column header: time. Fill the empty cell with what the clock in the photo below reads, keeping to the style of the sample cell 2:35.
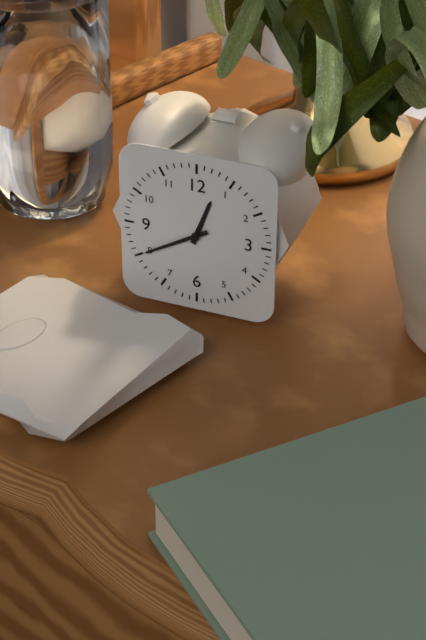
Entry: 12:40
